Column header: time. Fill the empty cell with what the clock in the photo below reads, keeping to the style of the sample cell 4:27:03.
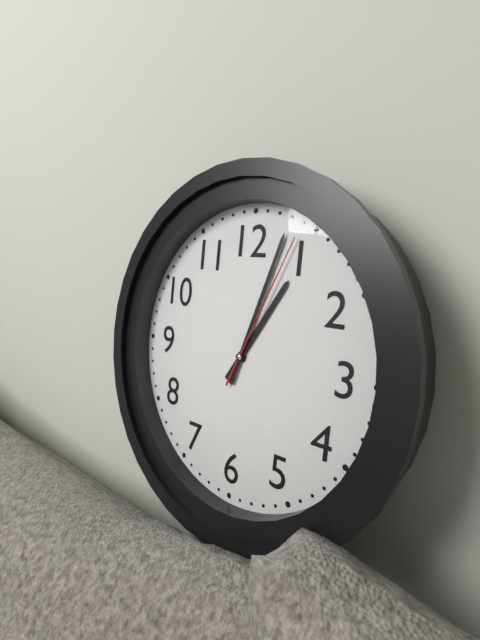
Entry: 1:03:04
